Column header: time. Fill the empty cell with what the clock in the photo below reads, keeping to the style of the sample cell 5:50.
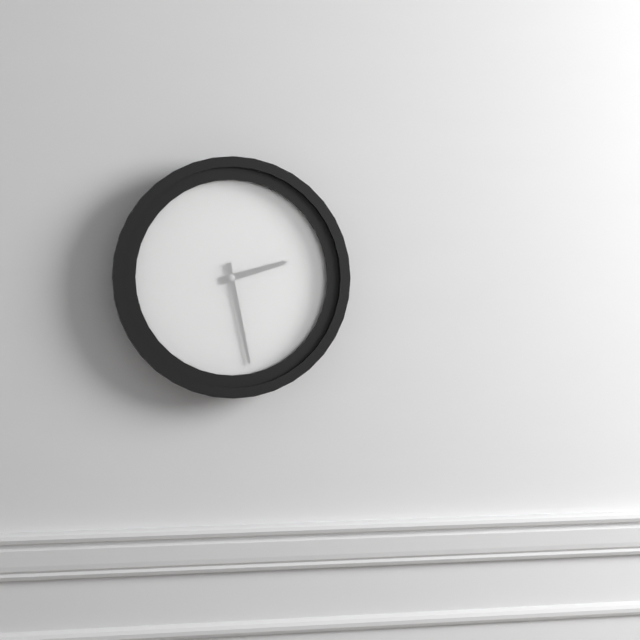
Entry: 2:28
